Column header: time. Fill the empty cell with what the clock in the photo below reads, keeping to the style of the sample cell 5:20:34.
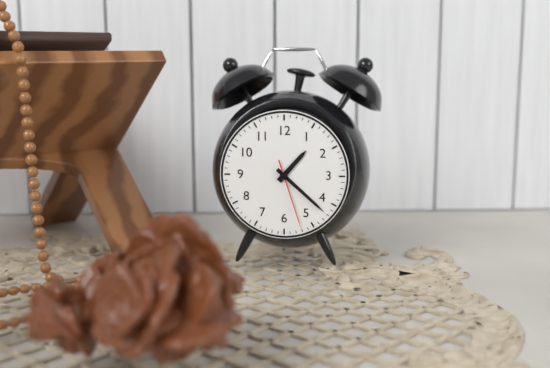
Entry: 1:22:27
